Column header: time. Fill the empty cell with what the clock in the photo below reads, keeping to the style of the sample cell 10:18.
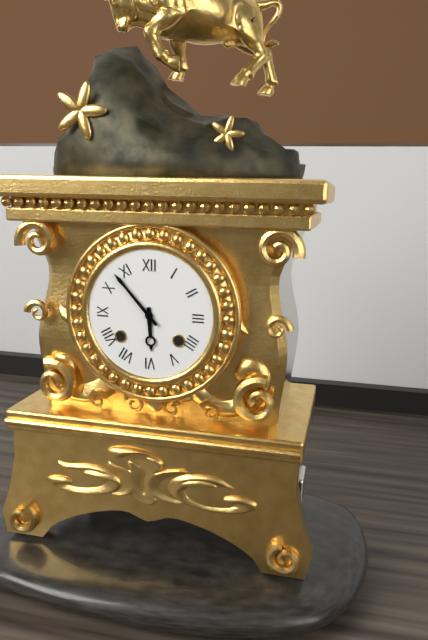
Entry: 5:53
